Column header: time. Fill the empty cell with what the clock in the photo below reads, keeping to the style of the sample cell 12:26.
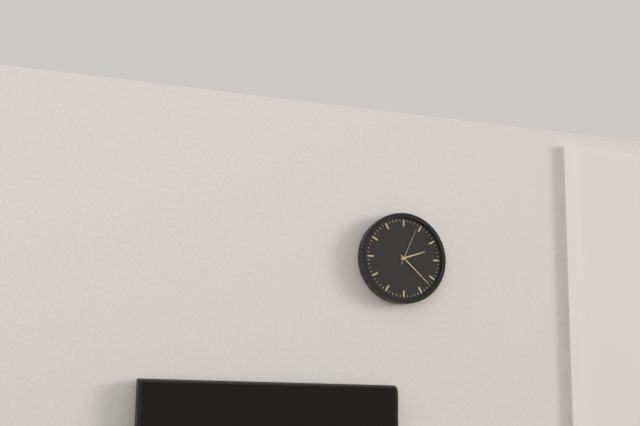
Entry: 2:22
